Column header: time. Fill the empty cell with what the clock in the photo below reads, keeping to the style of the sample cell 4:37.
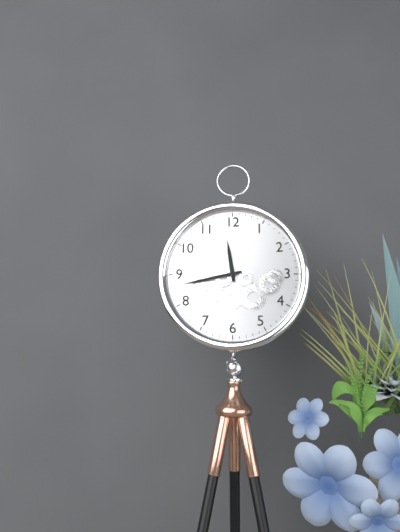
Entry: 11:43
